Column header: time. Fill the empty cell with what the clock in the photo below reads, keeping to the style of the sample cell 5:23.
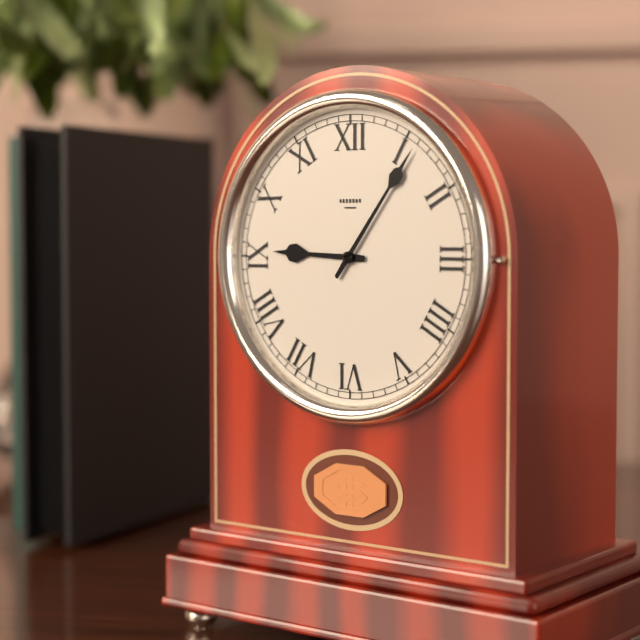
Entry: 9:06
